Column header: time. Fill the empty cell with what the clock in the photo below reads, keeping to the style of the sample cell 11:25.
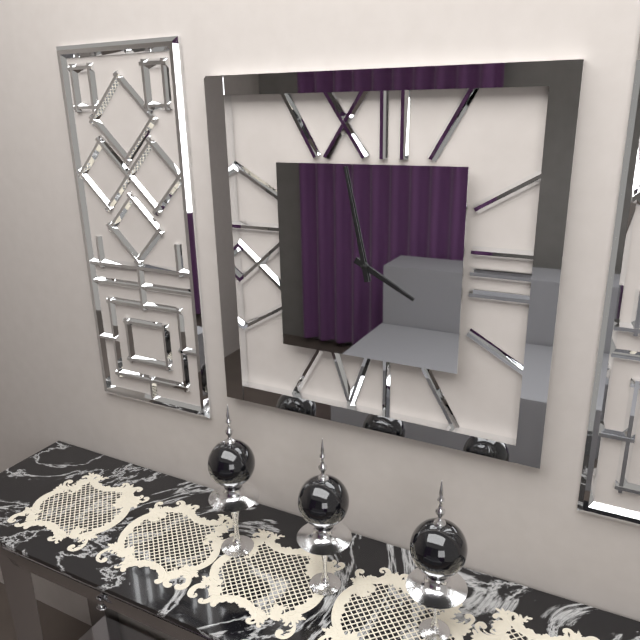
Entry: 3:58
